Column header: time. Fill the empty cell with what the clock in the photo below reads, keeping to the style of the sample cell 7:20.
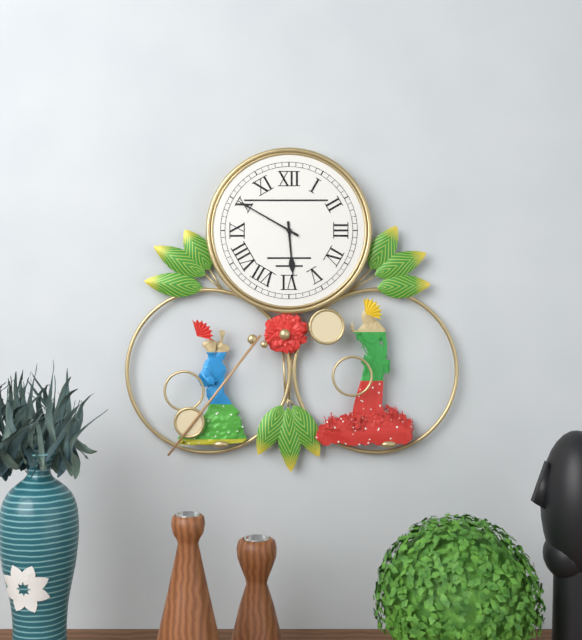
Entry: 5:50
